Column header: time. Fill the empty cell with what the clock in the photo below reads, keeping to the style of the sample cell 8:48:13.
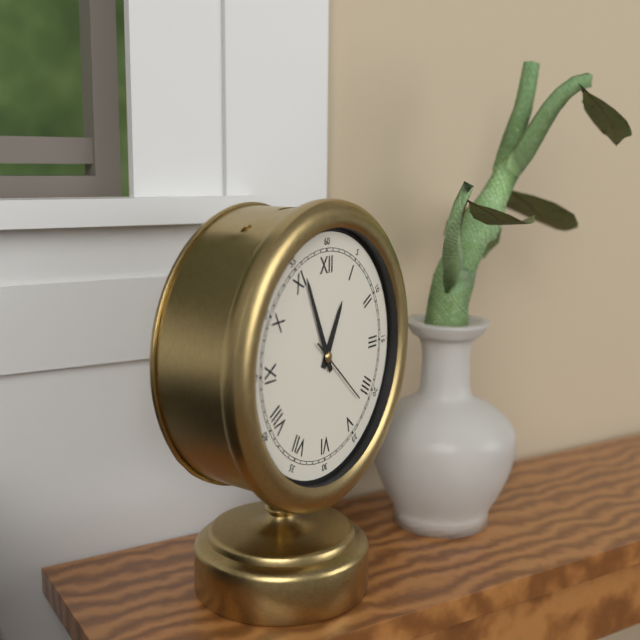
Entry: 12:56:22
